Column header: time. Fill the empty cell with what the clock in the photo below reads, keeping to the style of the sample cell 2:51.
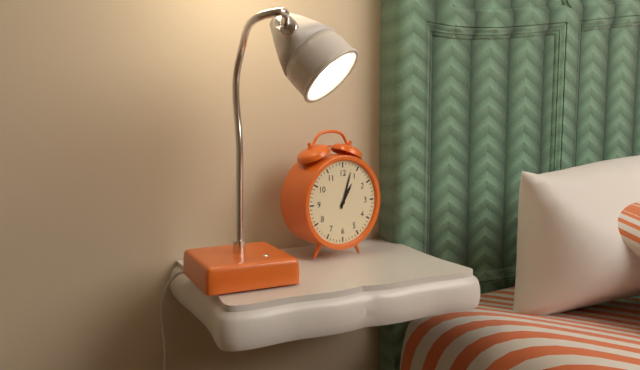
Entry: 1:03
